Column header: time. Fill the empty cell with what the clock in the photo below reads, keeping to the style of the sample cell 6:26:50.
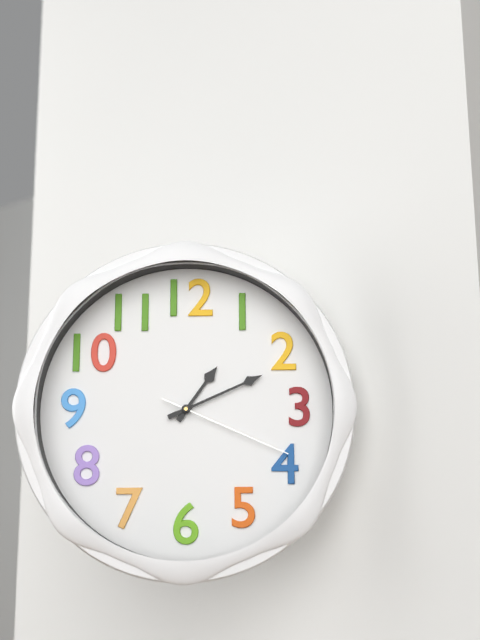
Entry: 1:11:19
